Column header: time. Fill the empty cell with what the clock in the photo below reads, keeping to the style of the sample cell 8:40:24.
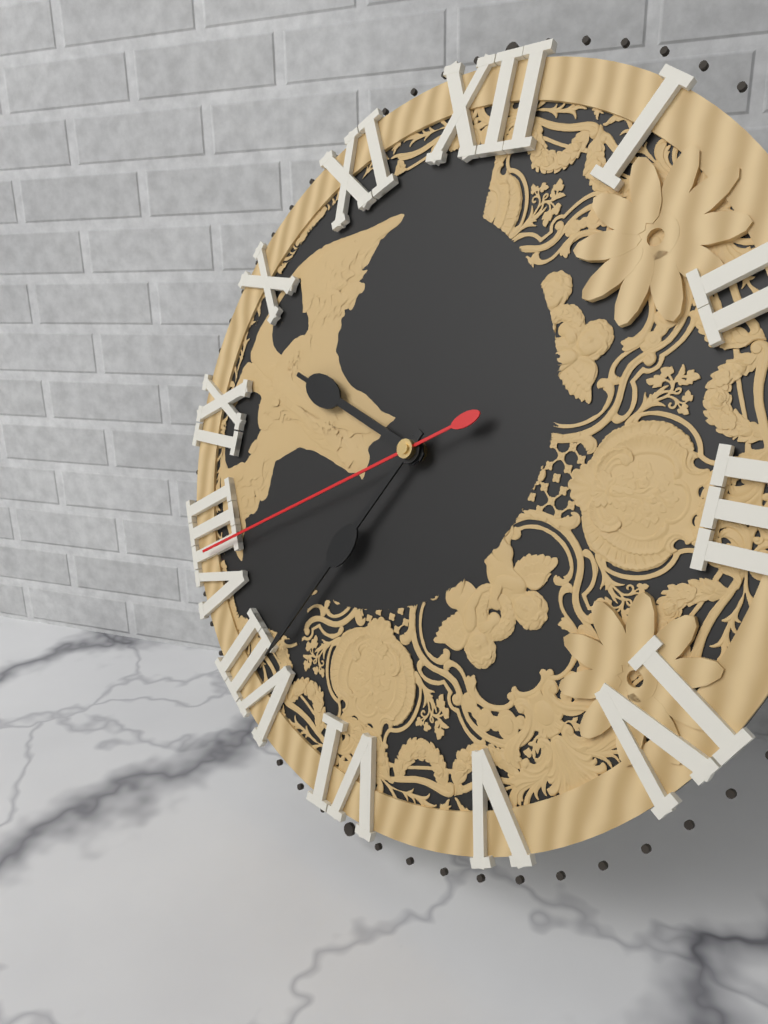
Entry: 9:35:40
